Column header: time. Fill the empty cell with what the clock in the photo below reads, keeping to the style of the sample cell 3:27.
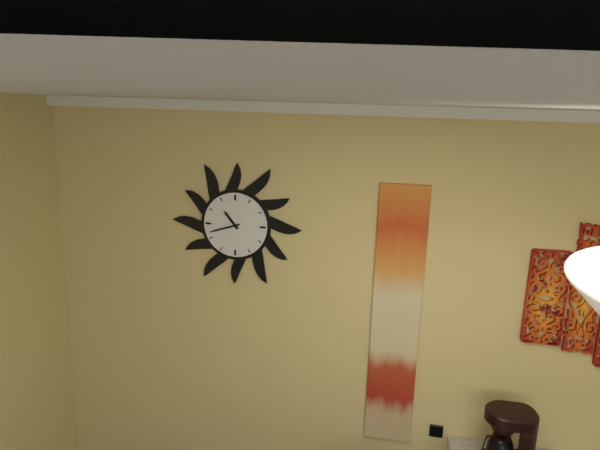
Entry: 10:42
